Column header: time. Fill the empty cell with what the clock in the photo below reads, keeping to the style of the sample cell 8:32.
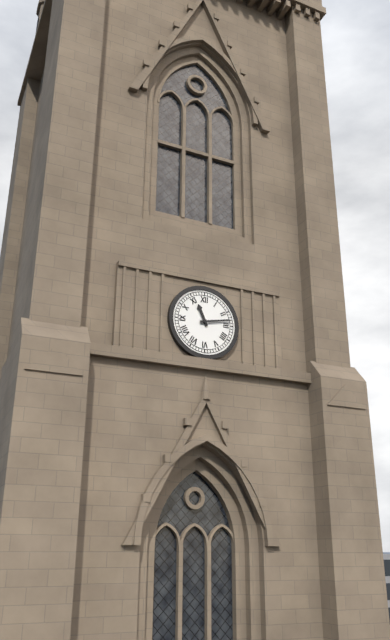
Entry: 11:13
